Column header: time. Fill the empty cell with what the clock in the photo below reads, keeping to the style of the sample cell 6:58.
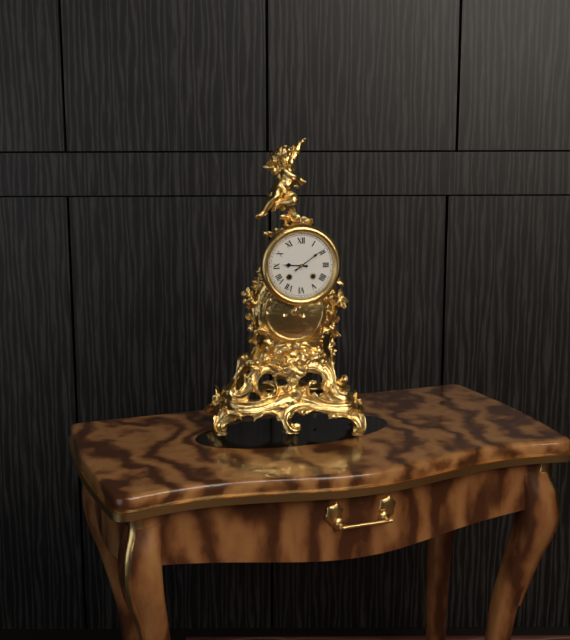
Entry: 9:09
